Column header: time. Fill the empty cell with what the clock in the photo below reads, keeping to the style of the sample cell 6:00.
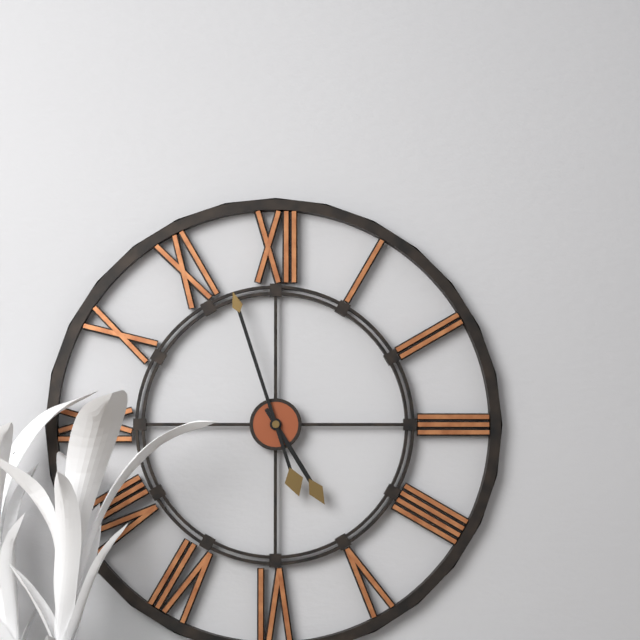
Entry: 4:57
